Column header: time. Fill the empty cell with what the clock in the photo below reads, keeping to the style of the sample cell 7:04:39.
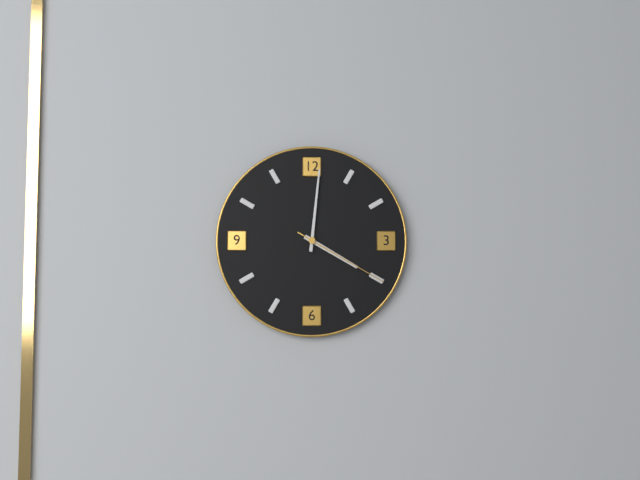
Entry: 4:01:20
